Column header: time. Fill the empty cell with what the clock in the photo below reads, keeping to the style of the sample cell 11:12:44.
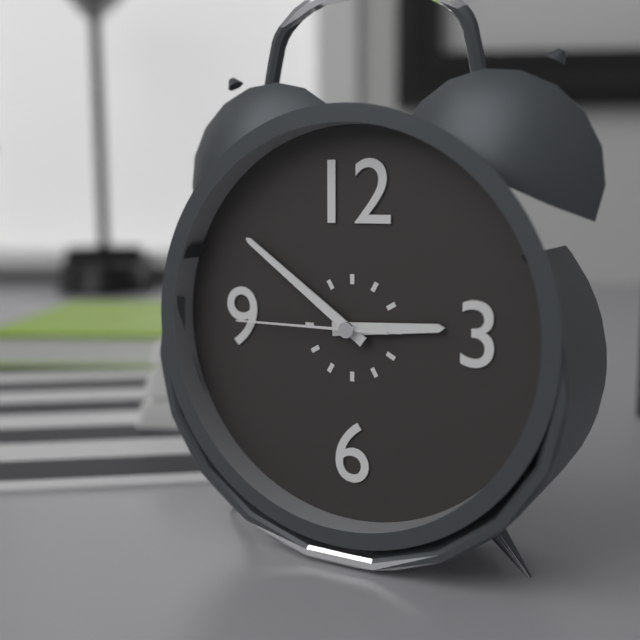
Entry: 2:51:45
